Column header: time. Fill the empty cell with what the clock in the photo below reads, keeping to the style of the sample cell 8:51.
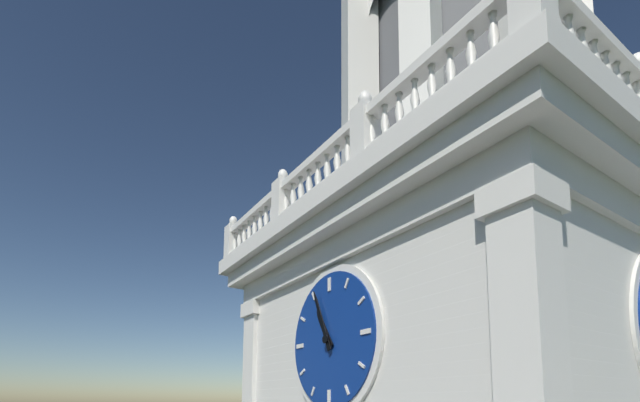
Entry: 10:56
